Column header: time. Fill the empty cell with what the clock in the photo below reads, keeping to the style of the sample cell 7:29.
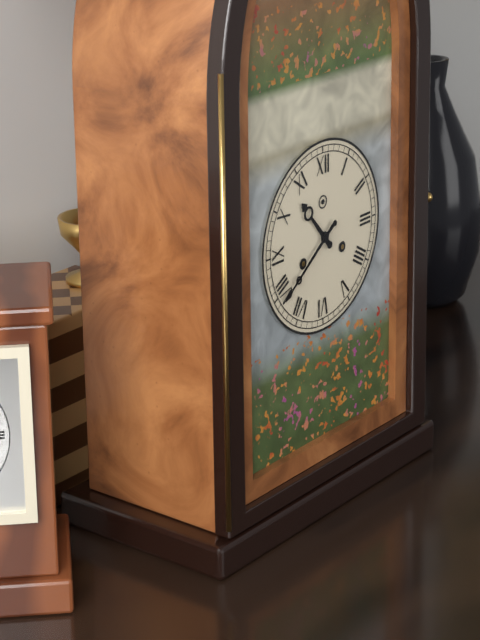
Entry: 10:39
